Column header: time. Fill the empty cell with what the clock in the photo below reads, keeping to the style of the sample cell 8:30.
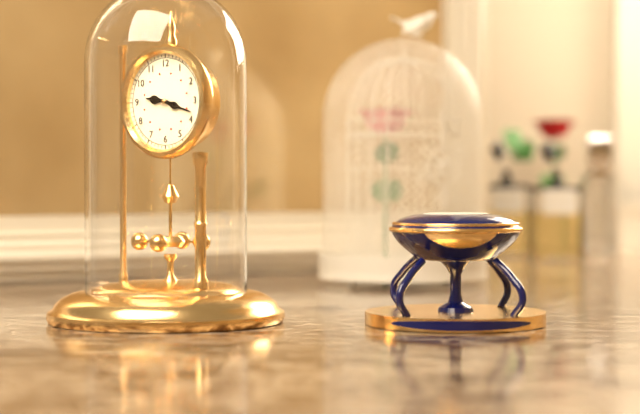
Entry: 9:18
